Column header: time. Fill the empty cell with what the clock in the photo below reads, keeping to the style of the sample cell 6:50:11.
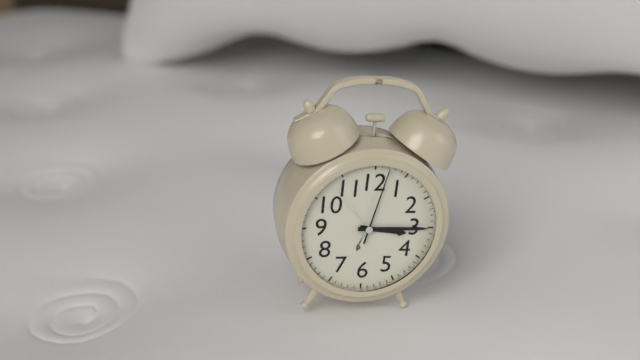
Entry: 3:15:02
